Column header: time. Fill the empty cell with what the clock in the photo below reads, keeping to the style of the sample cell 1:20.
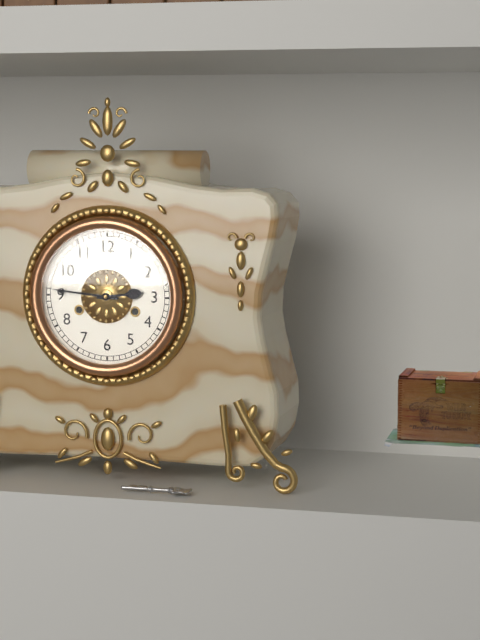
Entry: 2:46
